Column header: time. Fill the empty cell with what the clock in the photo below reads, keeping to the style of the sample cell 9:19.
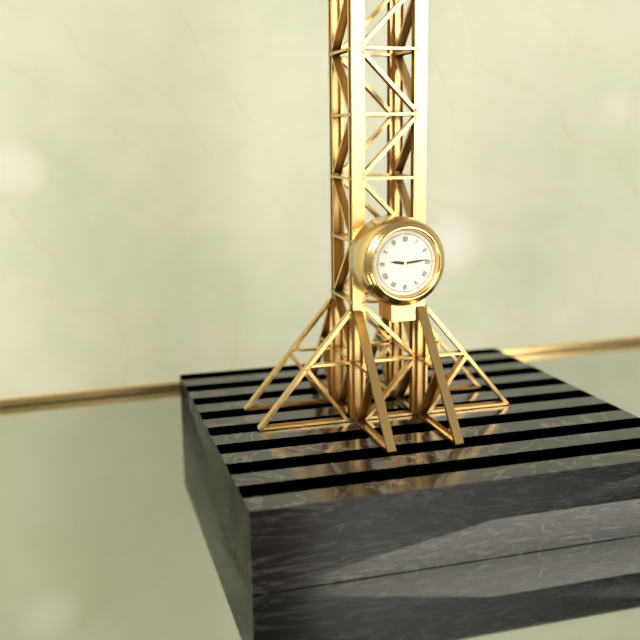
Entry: 9:14
